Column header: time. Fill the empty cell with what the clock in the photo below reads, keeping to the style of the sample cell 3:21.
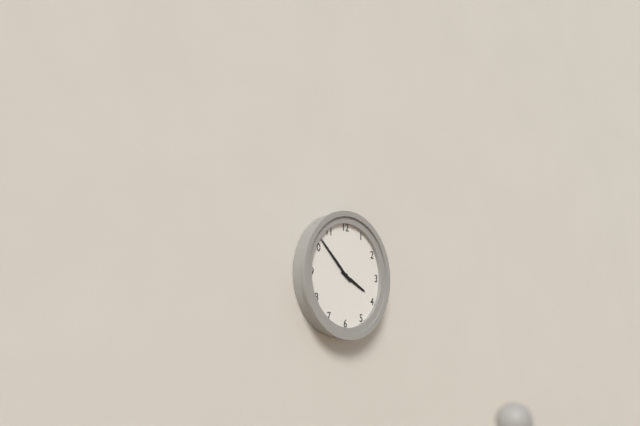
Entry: 3:52
